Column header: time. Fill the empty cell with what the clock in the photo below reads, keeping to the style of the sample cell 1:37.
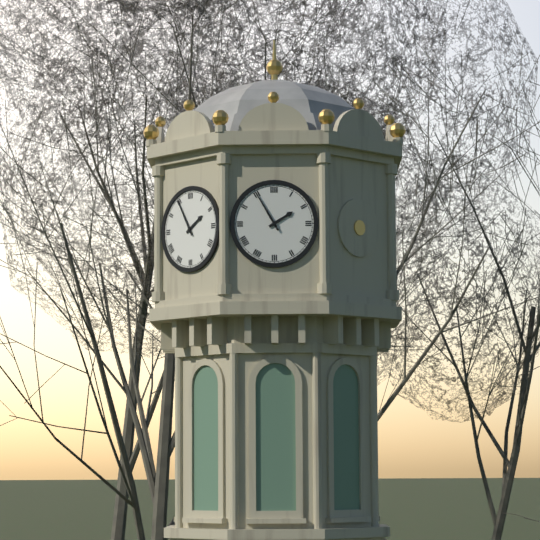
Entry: 1:55
